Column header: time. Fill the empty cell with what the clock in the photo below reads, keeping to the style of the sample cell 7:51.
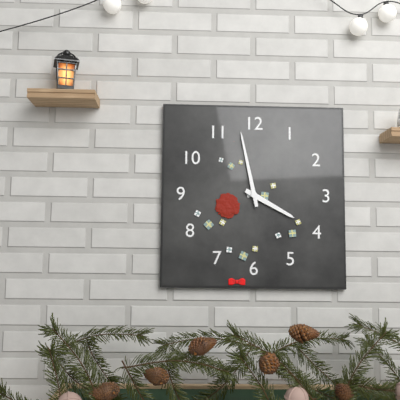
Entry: 3:58
